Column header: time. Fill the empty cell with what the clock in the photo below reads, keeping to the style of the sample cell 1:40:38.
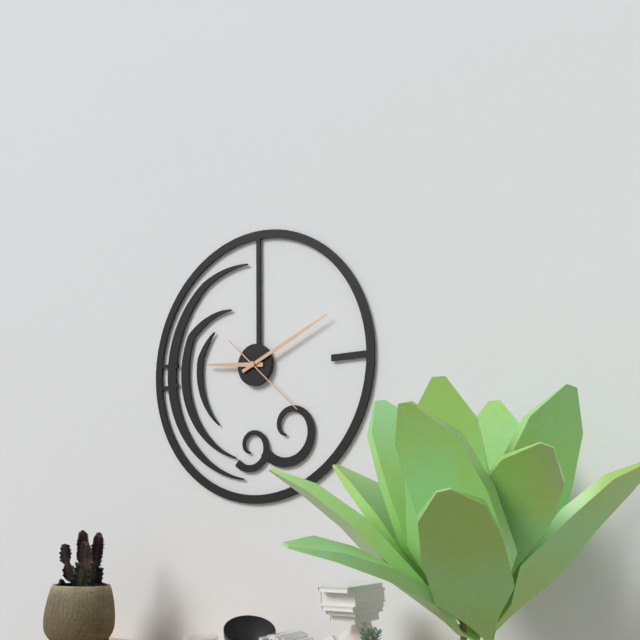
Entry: 9:11:22
